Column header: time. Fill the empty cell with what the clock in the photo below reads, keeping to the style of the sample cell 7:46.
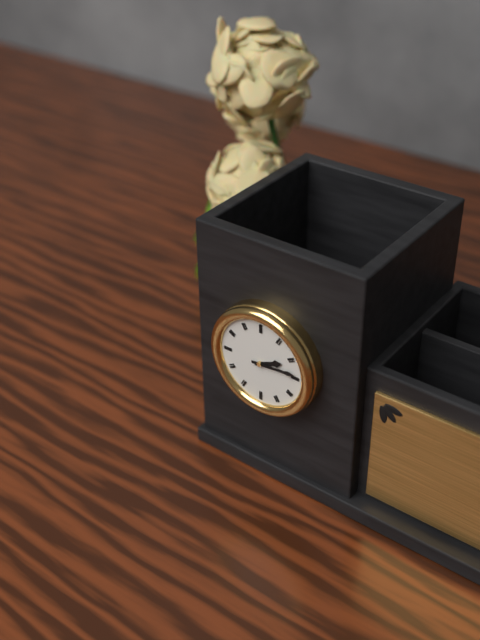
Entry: 2:14
